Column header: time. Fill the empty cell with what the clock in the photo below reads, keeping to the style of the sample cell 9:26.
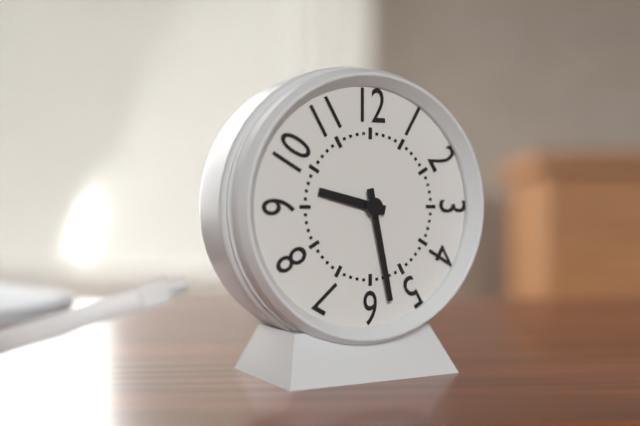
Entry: 9:28
